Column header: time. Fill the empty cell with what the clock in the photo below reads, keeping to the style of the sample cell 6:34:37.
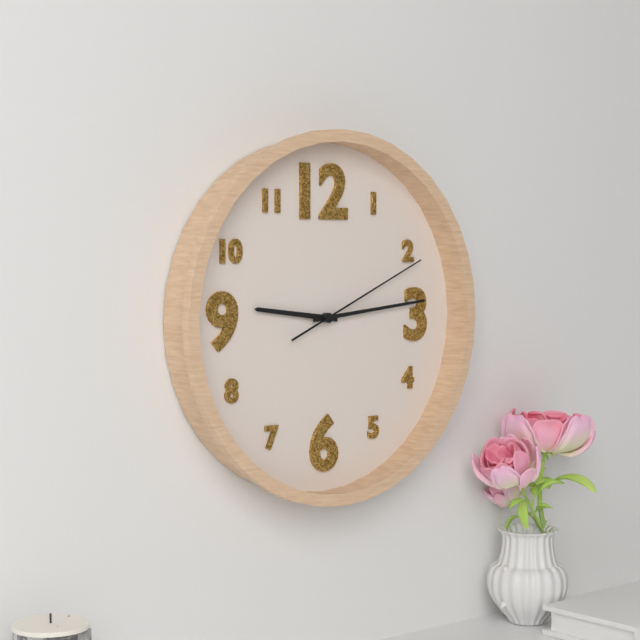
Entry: 9:14:11
